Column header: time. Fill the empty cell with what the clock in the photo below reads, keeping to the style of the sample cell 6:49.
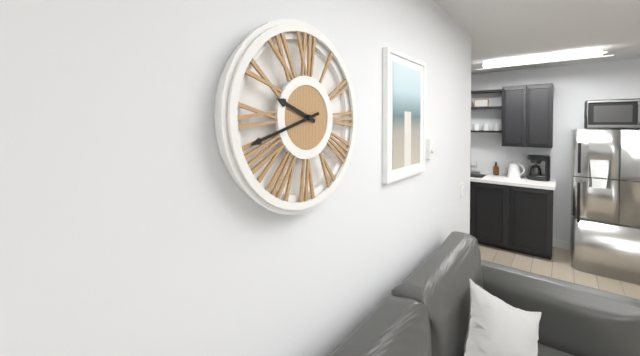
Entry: 9:42
